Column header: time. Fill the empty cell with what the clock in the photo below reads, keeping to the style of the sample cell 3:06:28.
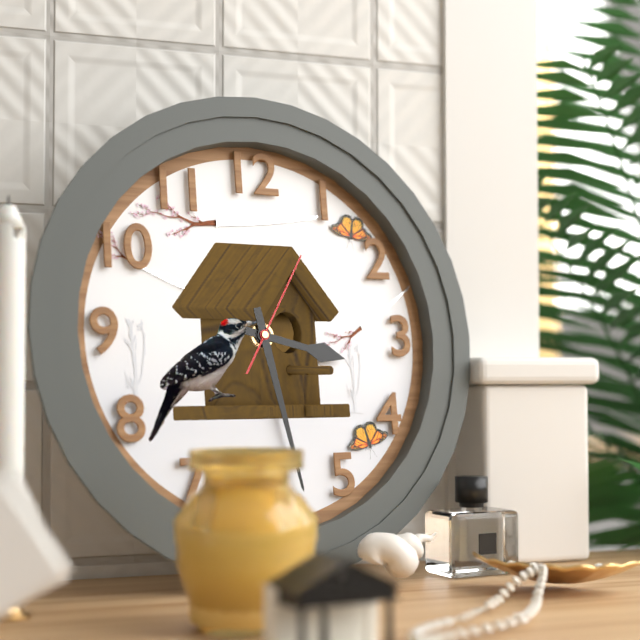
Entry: 3:28:05
